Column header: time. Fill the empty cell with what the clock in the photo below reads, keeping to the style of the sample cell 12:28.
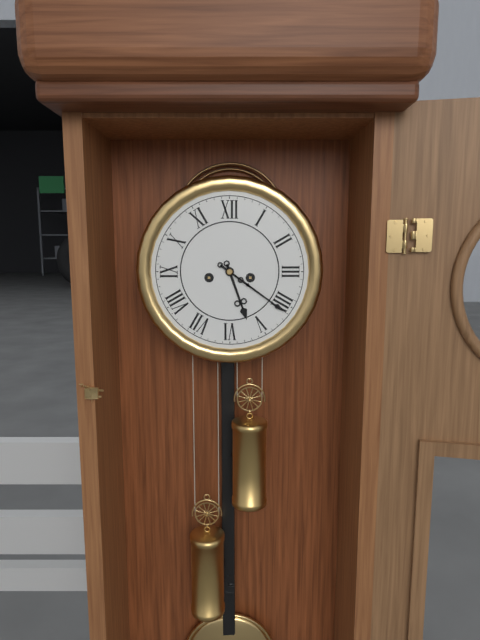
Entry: 5:21
